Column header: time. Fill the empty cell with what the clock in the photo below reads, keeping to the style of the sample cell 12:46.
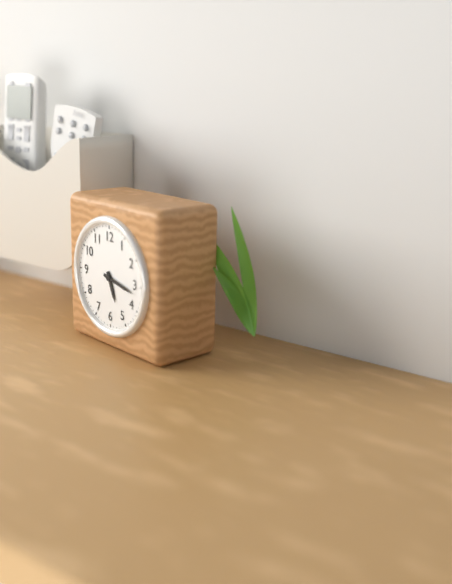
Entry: 5:17
